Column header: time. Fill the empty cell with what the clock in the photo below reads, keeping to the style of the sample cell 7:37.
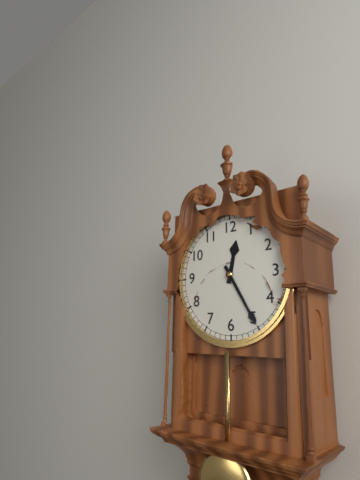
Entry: 12:25
